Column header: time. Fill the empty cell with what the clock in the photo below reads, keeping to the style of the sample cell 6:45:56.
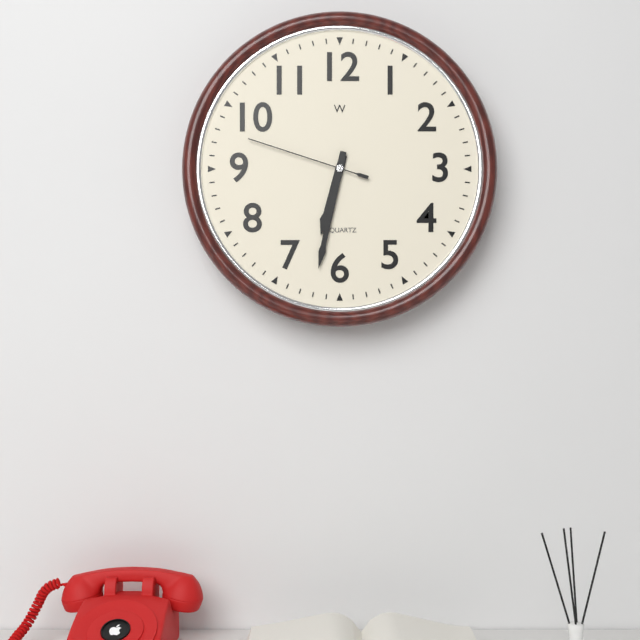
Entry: 6:32:48
